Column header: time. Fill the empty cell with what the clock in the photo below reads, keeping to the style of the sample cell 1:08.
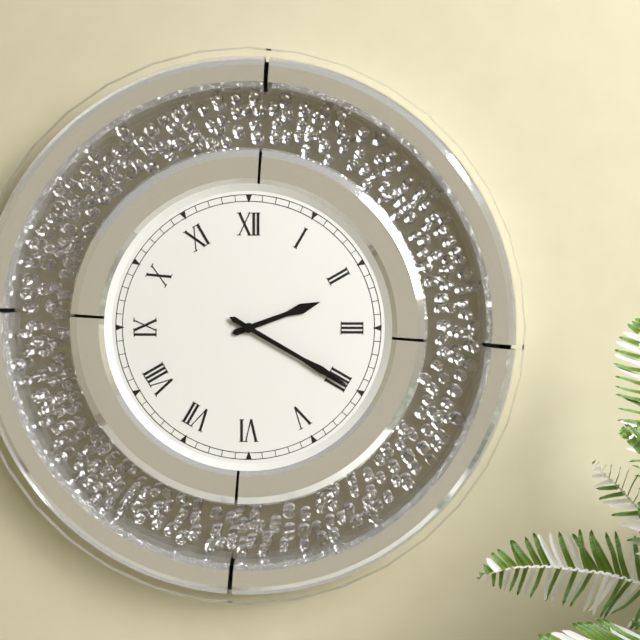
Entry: 2:20
